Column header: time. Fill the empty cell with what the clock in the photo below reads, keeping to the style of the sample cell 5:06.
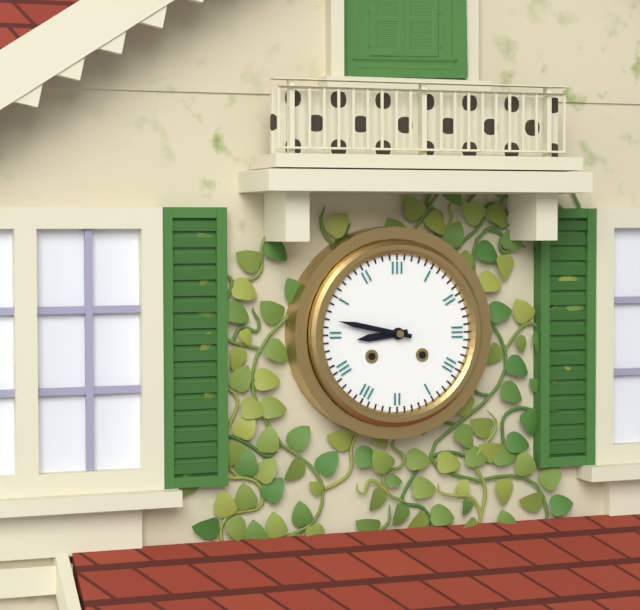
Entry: 8:47
